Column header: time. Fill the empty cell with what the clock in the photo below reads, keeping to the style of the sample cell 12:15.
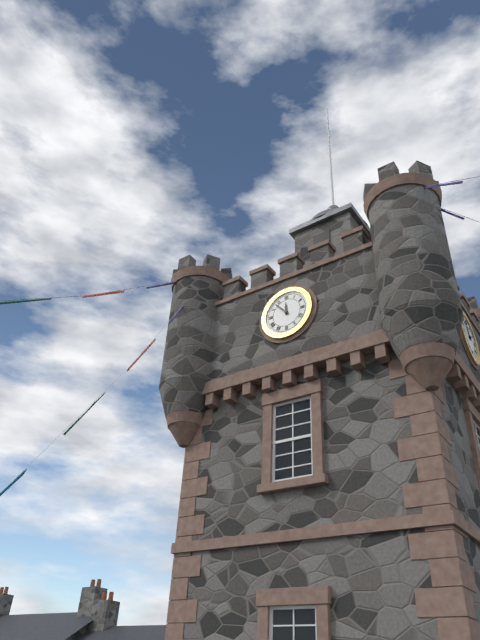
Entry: 11:53
